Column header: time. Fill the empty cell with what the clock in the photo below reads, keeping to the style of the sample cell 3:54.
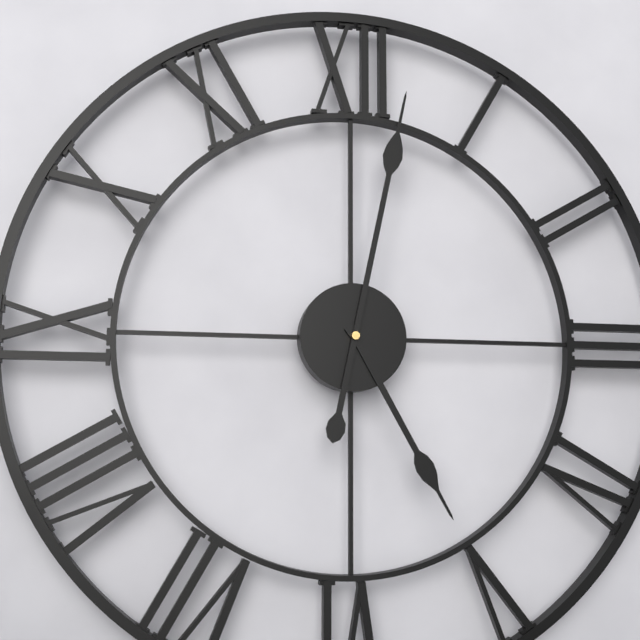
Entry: 5:02
